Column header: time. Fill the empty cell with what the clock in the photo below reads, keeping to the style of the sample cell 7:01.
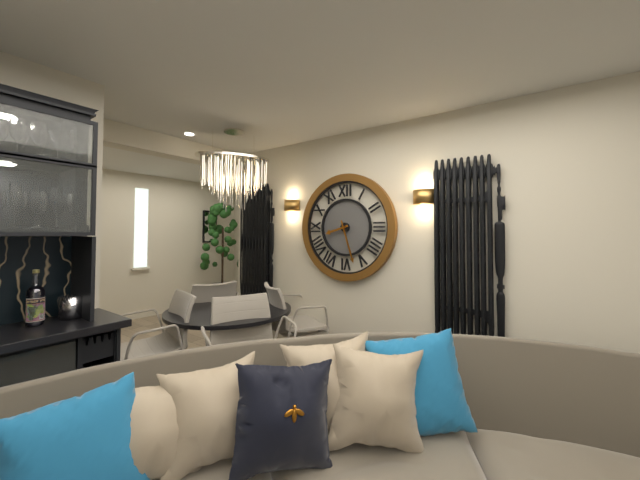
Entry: 8:27
